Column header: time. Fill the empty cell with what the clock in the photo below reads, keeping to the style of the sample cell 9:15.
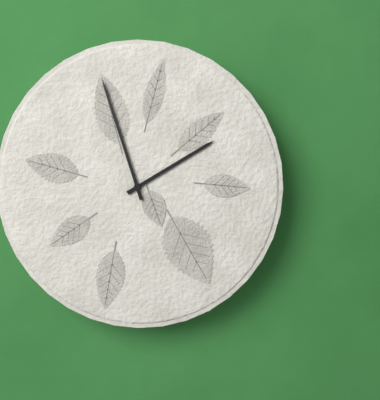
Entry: 1:57
